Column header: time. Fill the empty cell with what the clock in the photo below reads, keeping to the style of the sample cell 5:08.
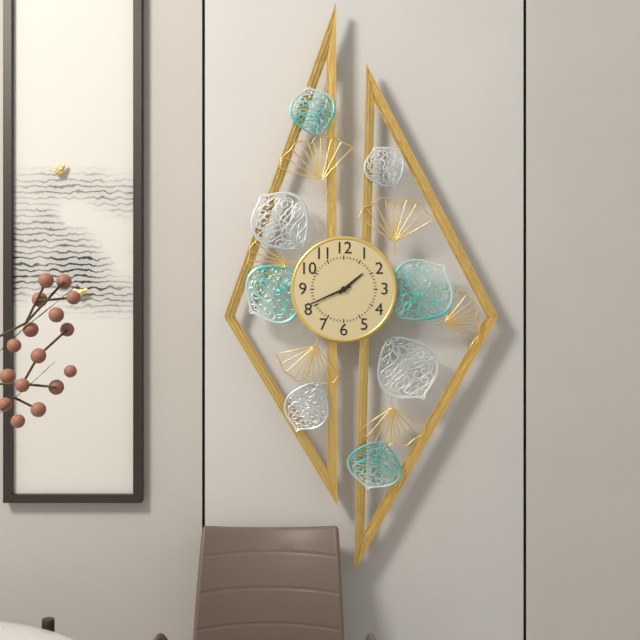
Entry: 1:41
